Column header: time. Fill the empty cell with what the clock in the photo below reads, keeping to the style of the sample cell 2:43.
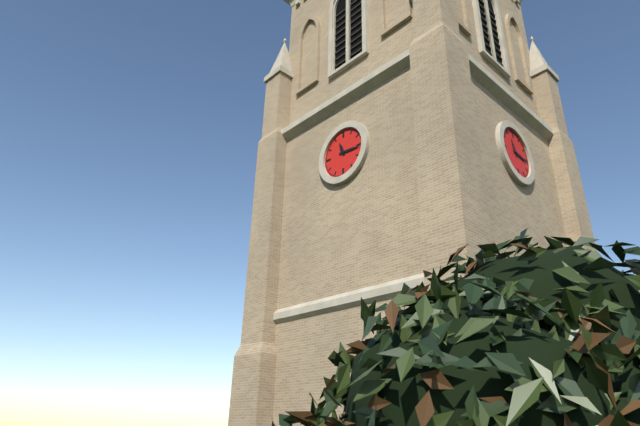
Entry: 11:16
